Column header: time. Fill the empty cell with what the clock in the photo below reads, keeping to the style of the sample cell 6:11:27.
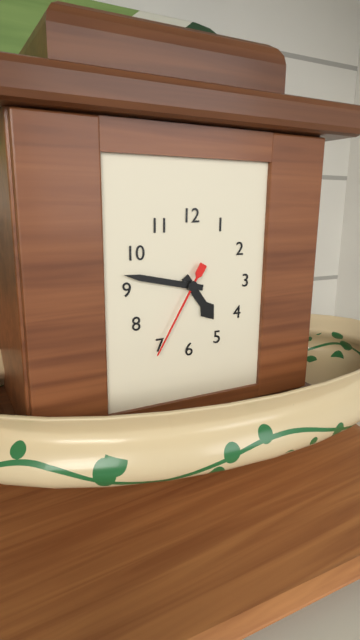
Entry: 4:47:35
